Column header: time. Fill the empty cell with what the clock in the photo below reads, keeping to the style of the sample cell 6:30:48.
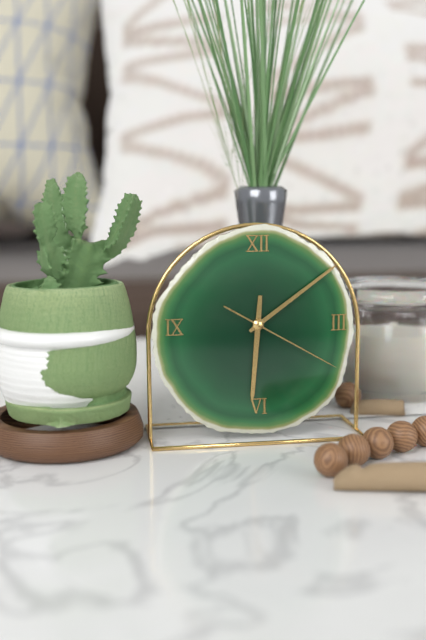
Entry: 6:09:20
